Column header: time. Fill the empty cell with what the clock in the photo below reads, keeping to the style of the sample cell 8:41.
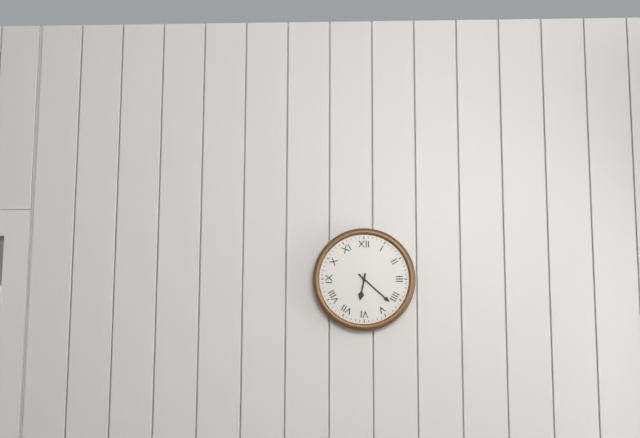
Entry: 6:22
